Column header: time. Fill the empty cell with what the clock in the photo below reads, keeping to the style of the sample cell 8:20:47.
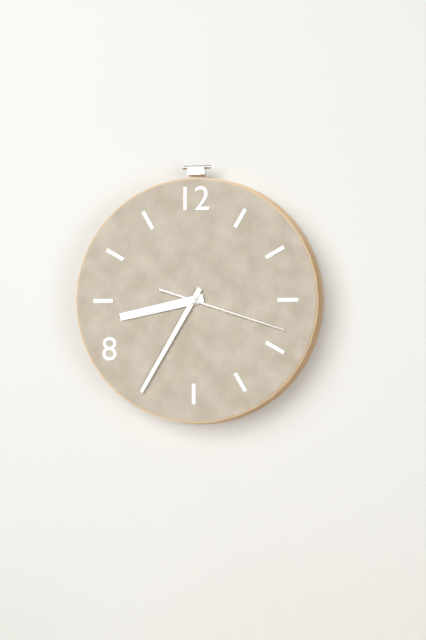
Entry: 8:35:18
